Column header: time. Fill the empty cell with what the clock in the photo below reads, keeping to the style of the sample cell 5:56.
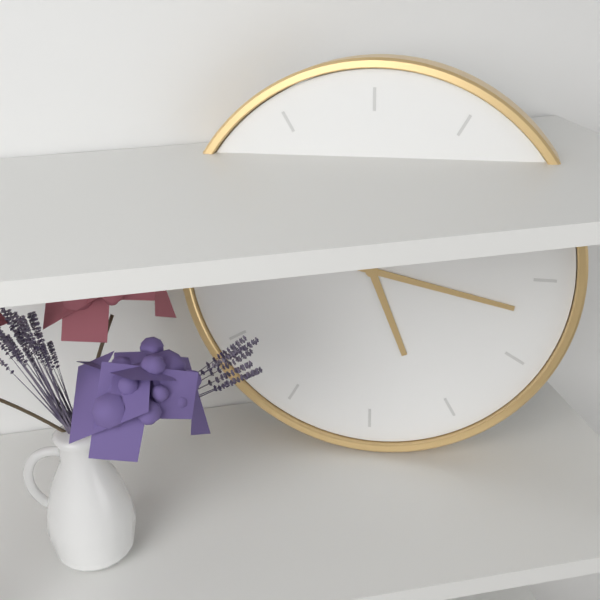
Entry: 5:17
